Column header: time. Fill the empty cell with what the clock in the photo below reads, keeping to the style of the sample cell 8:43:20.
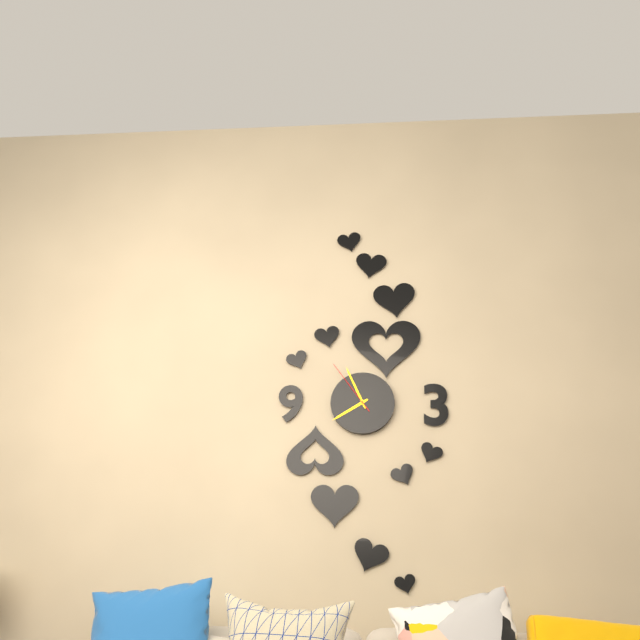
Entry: 7:56:54
